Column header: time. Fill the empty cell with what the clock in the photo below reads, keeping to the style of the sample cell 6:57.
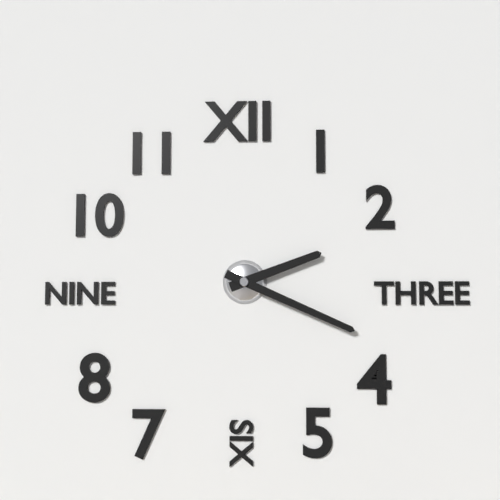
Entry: 2:19
